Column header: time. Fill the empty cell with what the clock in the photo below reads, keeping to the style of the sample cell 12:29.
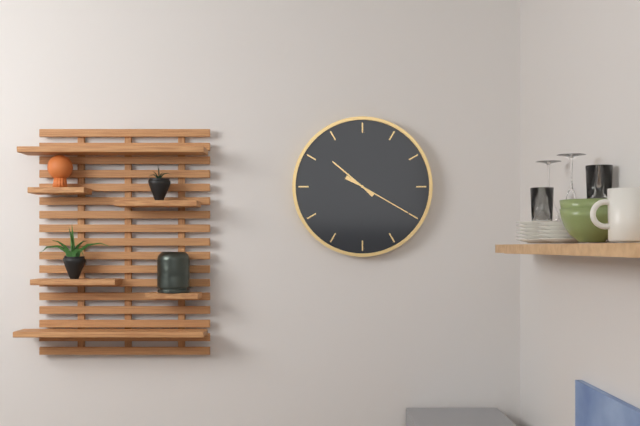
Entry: 10:20
